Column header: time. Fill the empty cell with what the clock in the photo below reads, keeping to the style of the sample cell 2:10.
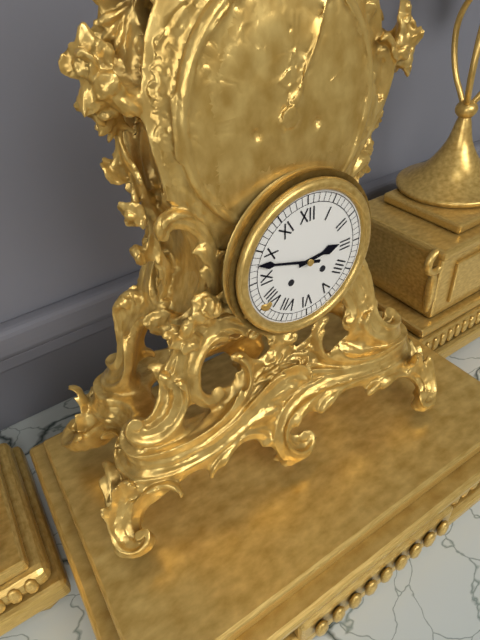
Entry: 2:48
